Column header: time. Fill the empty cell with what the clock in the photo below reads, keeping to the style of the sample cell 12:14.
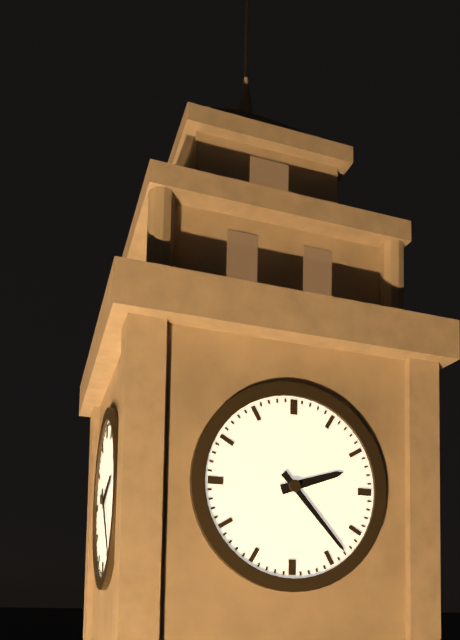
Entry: 2:23
